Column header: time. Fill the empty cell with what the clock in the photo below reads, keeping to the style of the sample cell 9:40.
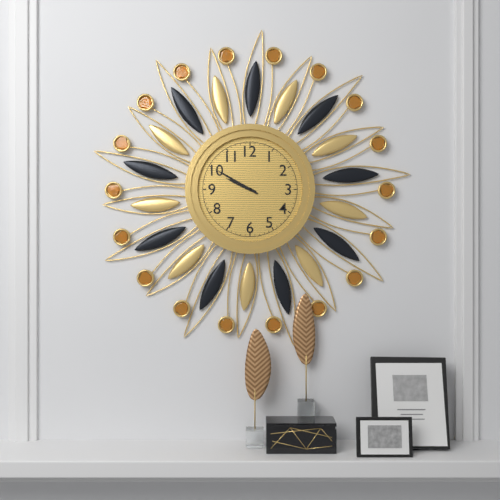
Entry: 9:50
